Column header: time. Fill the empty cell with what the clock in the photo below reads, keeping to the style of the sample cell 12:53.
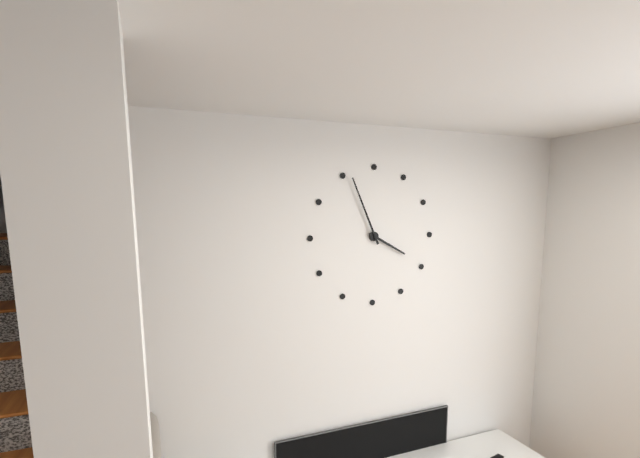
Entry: 3:56
